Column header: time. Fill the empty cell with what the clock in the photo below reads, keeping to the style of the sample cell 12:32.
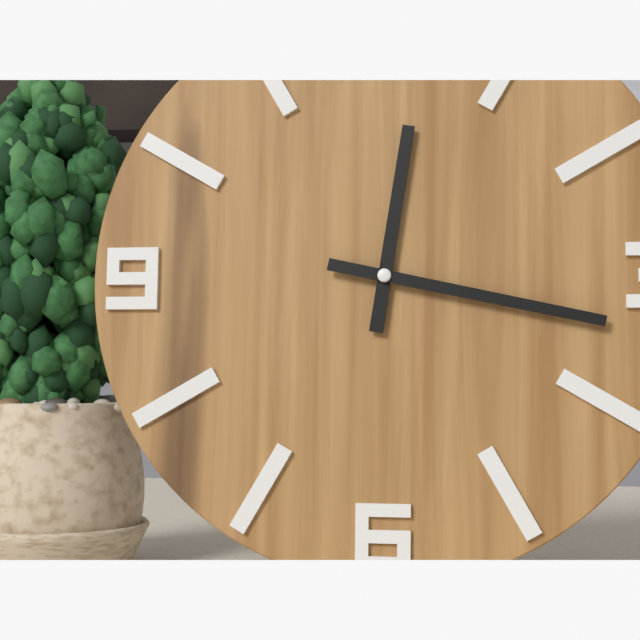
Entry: 12:17
